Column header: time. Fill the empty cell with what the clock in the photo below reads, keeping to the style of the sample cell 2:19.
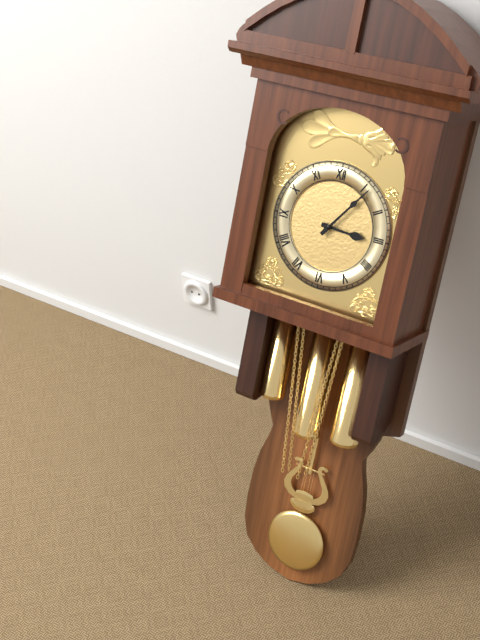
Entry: 3:06
